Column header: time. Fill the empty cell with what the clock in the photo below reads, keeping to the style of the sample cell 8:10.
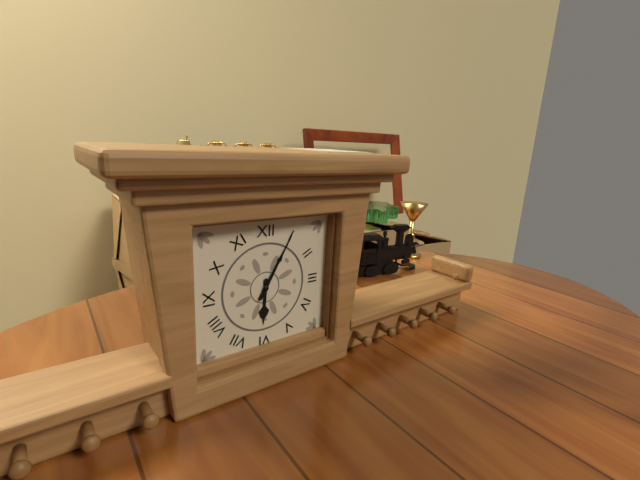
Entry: 6:05
